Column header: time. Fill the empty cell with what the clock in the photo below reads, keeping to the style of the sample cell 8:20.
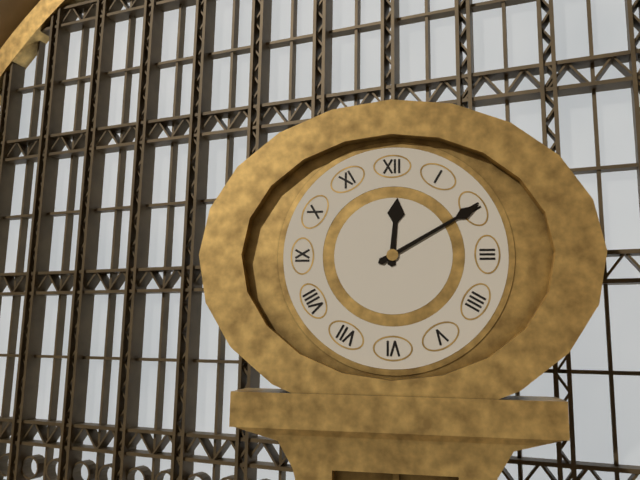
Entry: 12:10
